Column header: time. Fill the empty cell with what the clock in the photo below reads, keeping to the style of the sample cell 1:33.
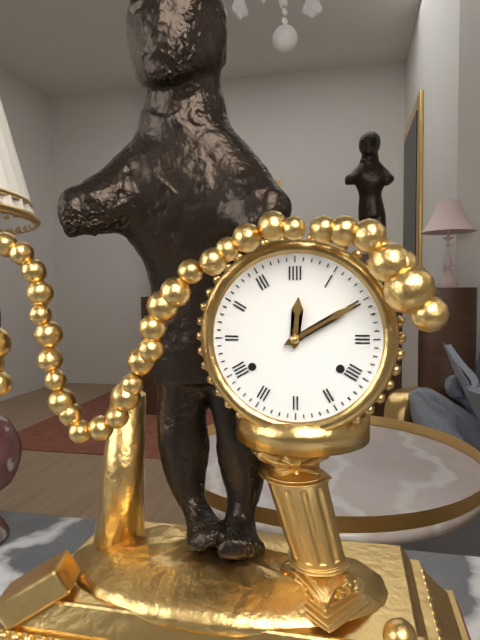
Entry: 12:10
